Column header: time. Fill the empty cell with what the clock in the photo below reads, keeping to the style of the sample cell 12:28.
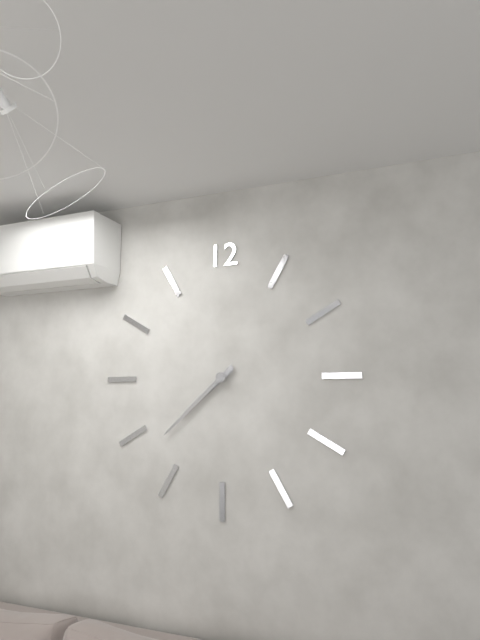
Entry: 7:38
